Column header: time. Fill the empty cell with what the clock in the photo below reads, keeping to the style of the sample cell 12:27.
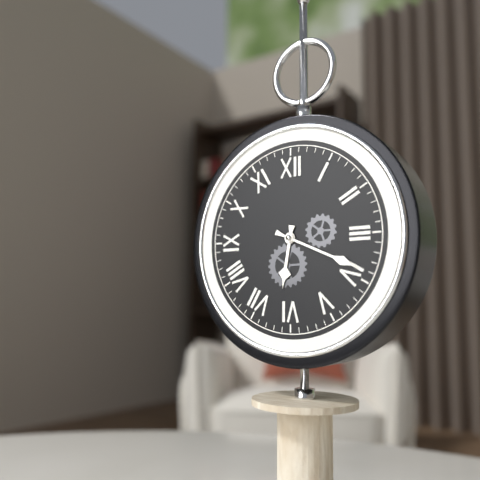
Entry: 6:19
